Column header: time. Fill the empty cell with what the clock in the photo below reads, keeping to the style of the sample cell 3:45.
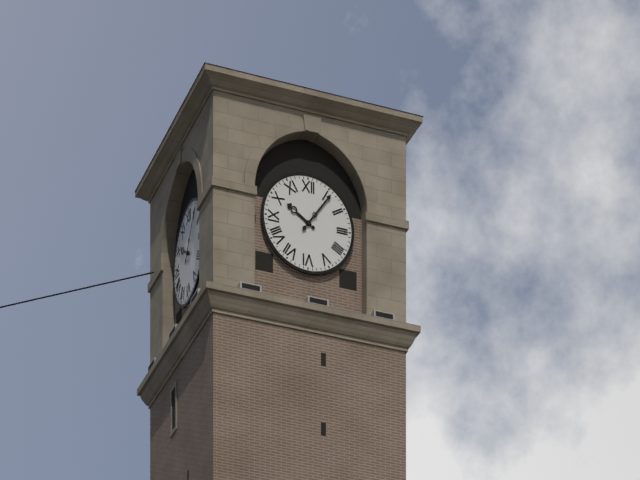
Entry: 10:06
